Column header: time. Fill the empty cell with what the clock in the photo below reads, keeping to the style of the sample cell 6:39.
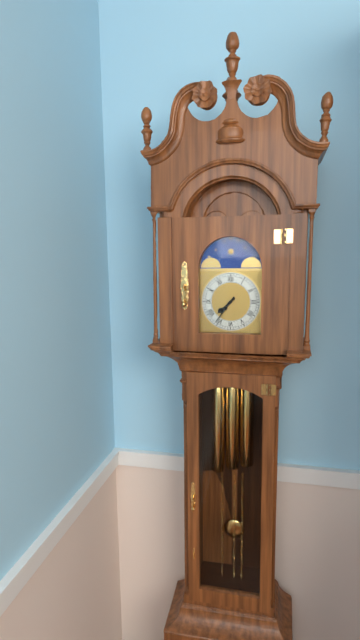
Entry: 7:36
